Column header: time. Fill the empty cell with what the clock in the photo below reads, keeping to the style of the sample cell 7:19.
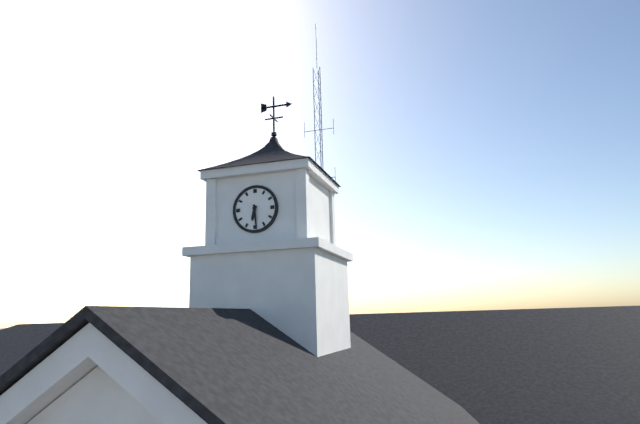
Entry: 6:29
